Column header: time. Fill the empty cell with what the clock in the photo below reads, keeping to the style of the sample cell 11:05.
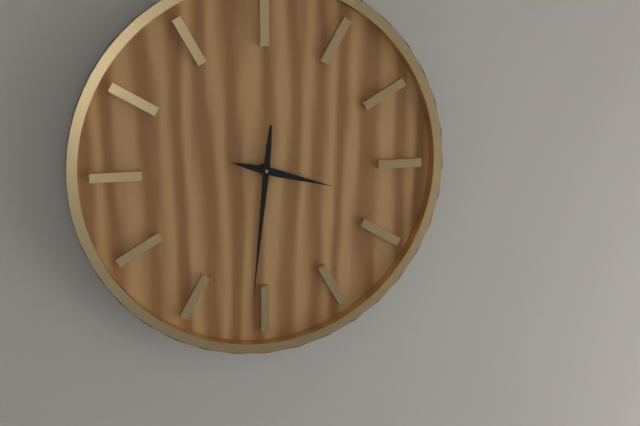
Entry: 3:31
